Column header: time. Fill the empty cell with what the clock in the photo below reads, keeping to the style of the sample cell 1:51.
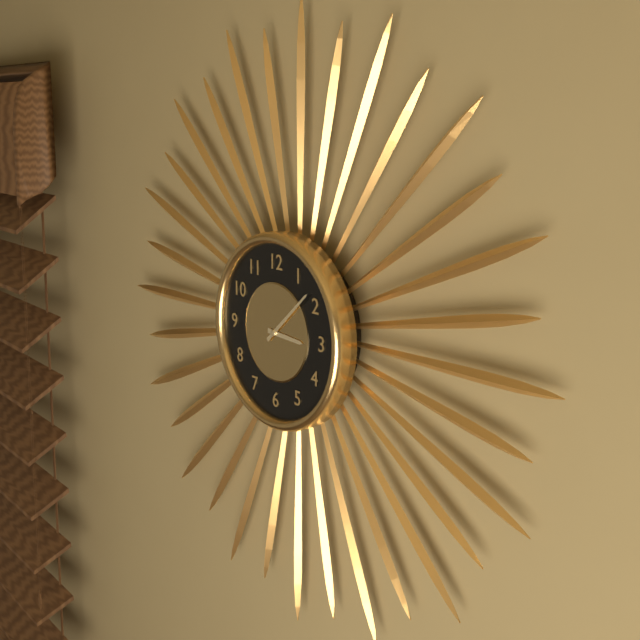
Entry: 3:08
